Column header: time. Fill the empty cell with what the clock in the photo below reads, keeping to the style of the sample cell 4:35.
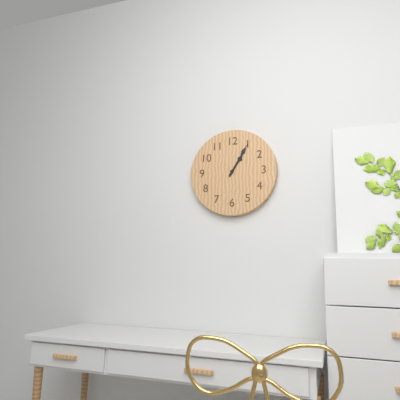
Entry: 1:05
